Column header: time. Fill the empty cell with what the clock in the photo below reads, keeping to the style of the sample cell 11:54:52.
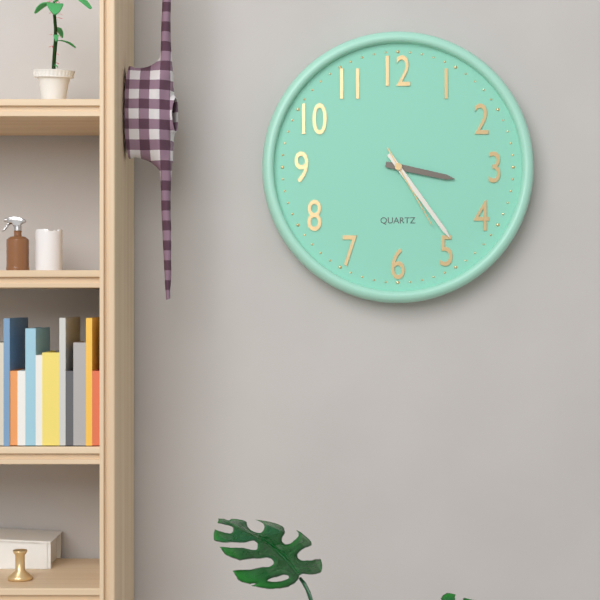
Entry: 3:24:25
